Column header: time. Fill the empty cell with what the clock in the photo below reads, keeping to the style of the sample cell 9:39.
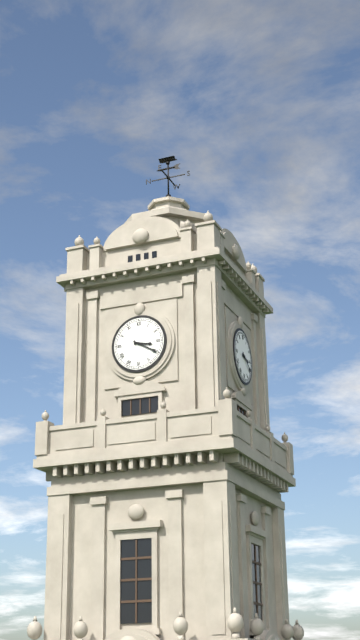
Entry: 3:20
